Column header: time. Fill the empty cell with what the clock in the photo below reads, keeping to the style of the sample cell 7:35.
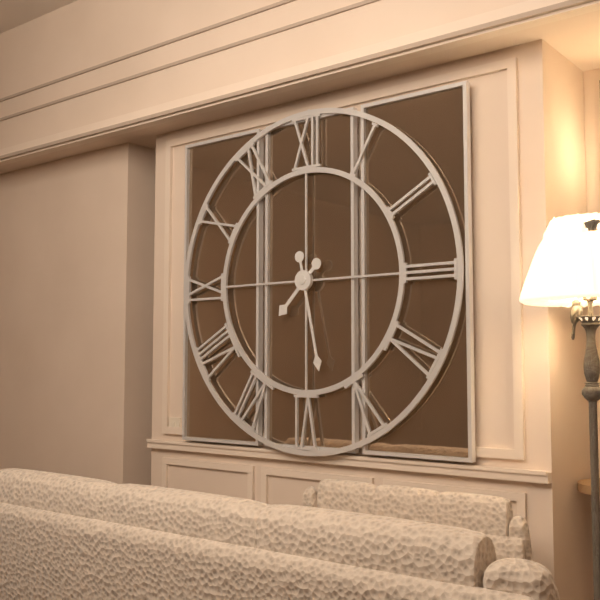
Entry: 7:28
